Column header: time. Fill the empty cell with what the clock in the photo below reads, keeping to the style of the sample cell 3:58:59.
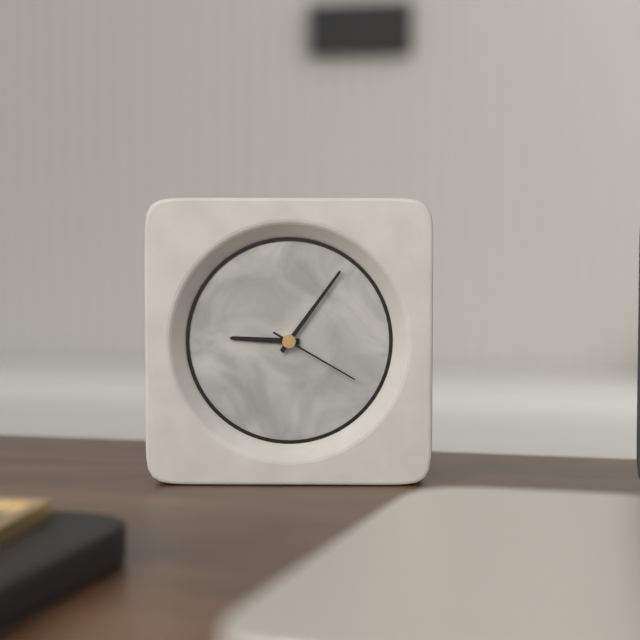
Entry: 9:06:20
